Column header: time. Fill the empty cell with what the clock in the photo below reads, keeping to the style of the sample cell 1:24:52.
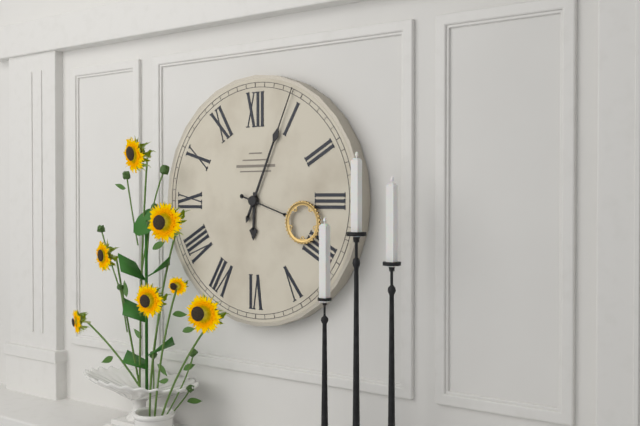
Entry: 6:04:18
